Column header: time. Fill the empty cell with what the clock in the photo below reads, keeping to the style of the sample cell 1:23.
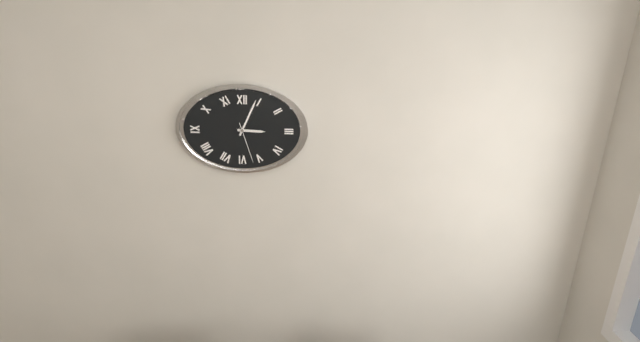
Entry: 3:04
